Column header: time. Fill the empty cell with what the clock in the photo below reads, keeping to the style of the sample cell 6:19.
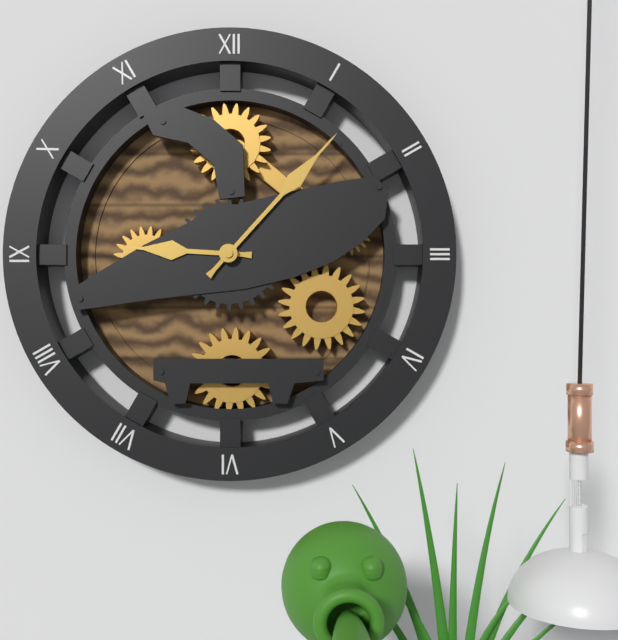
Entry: 9:07
